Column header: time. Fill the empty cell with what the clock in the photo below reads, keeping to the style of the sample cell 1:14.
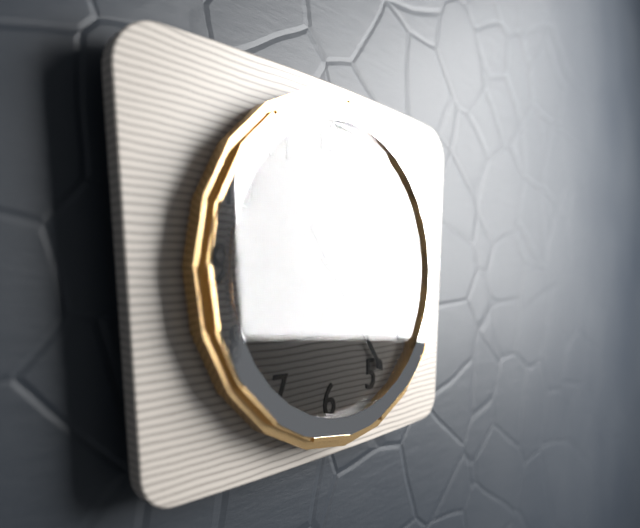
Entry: 4:24
